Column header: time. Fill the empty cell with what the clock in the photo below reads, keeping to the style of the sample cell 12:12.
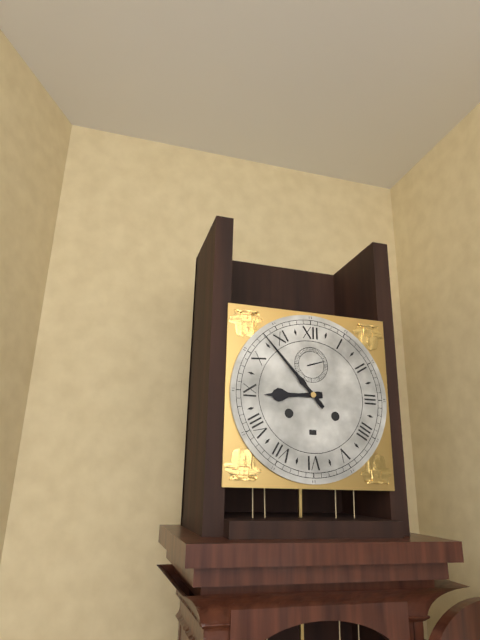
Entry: 8:53
